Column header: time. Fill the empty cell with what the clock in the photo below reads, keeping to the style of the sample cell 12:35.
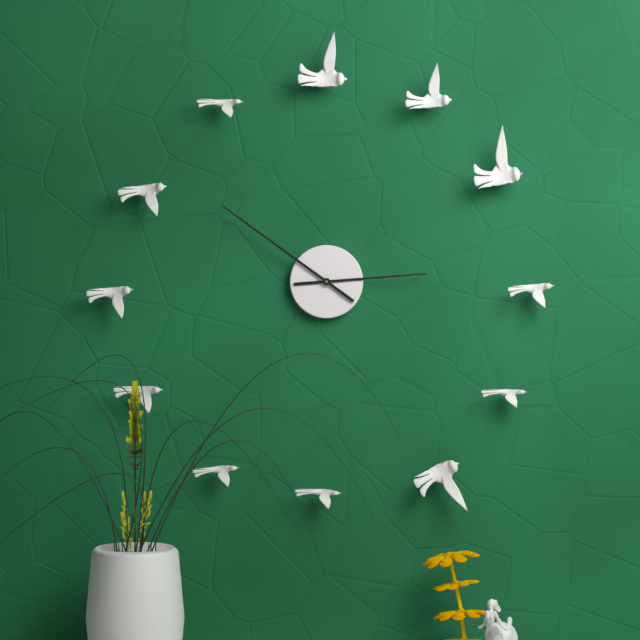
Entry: 2:51
